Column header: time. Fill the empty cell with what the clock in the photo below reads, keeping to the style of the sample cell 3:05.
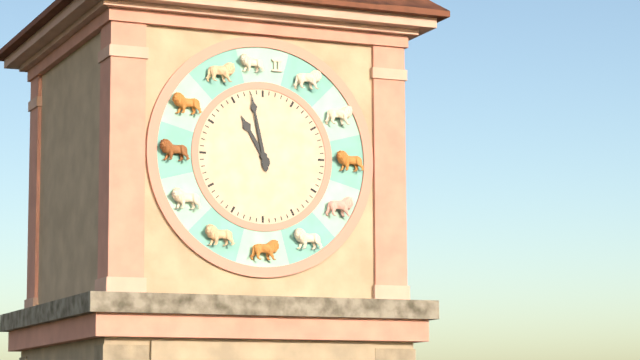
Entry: 10:58
